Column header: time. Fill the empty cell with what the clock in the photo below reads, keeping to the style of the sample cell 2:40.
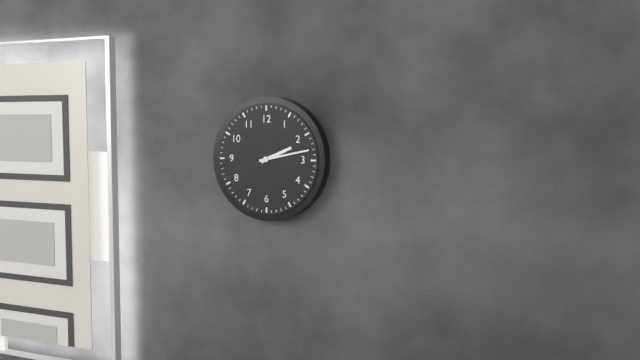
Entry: 2:13
